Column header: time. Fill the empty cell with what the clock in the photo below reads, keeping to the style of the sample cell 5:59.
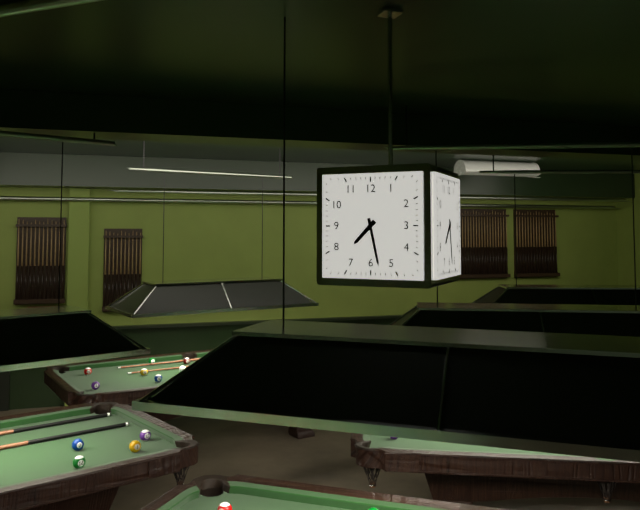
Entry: 7:28
